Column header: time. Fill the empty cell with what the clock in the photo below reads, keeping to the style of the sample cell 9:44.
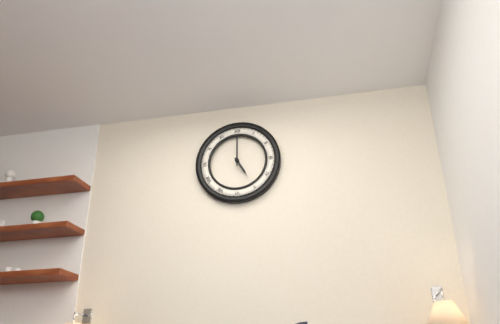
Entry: 5:00
